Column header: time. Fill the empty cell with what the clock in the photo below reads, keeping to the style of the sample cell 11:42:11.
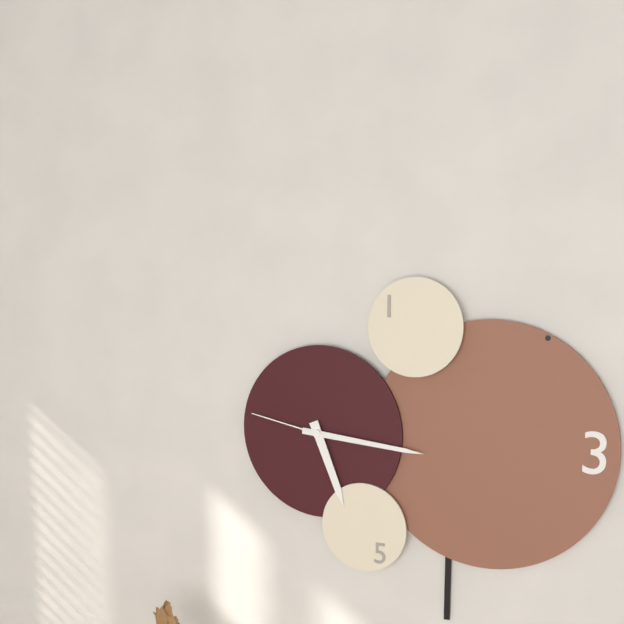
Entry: 5:16:47
